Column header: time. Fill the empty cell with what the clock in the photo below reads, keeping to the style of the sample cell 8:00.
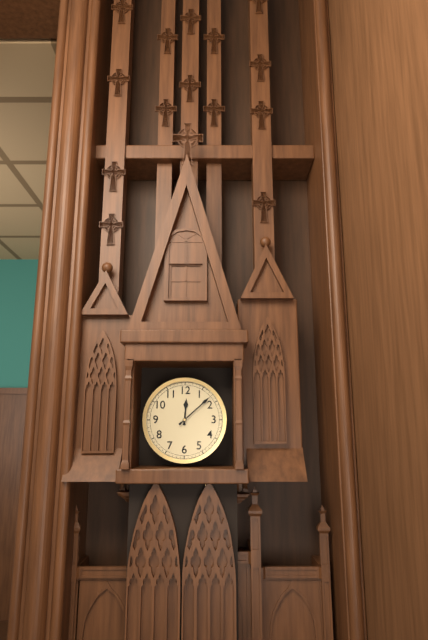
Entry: 12:08
